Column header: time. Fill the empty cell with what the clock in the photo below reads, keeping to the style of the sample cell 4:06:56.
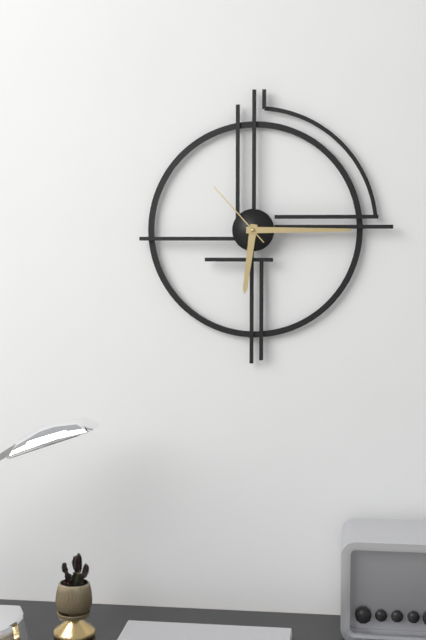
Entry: 6:15:53
